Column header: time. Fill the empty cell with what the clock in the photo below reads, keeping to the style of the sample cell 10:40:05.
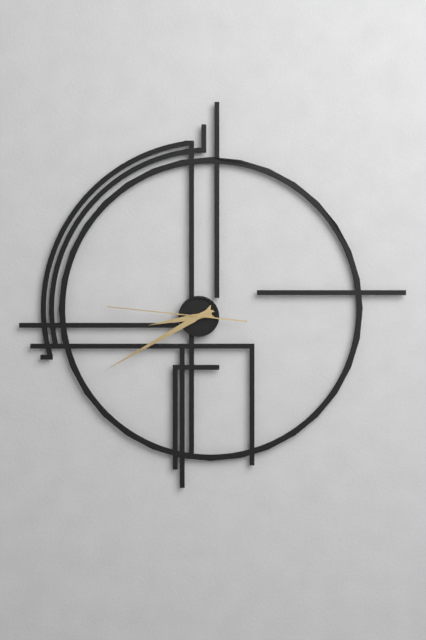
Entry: 8:40:46
